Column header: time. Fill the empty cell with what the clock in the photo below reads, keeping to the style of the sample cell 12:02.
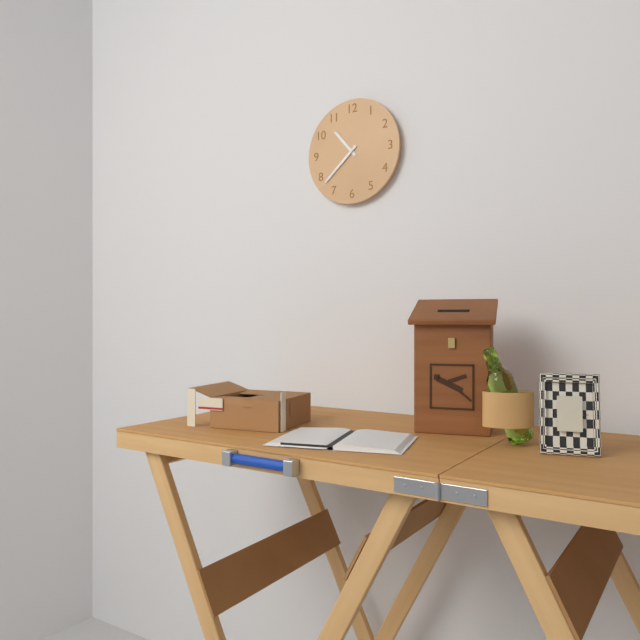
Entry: 10:38
